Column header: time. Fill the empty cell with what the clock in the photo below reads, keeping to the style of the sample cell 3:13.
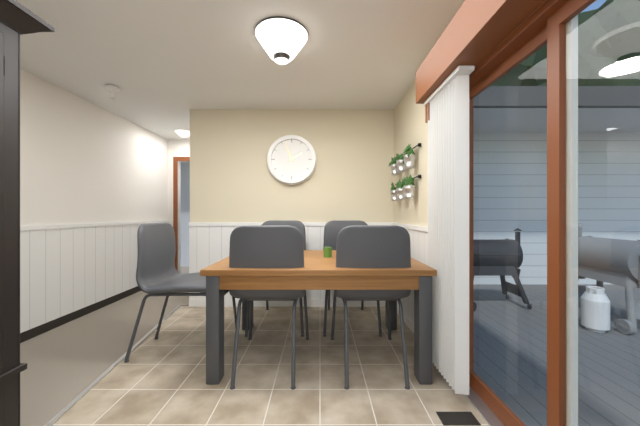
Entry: 1:56
